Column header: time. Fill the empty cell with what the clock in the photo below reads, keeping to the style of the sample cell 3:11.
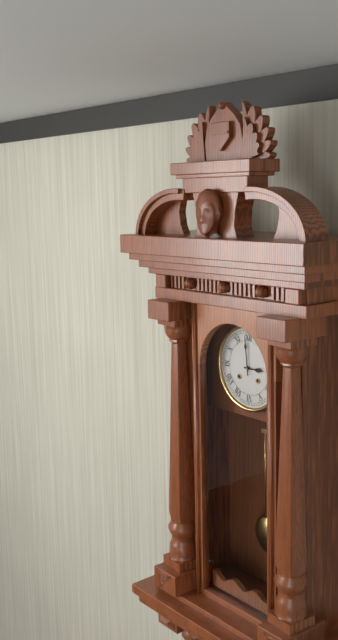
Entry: 2:59
